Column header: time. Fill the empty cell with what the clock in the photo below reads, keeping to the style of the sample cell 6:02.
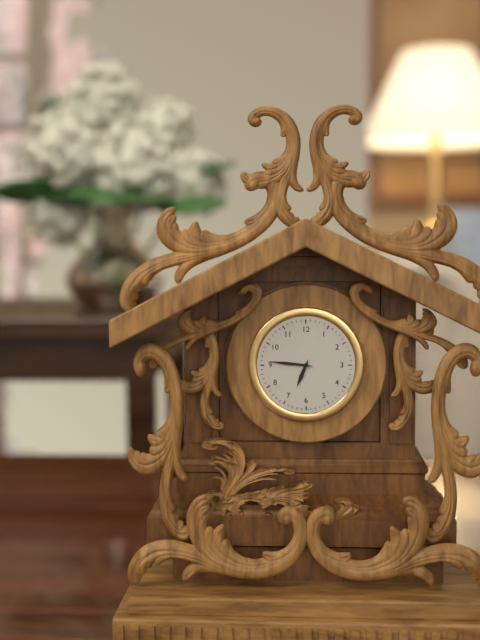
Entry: 6:46
